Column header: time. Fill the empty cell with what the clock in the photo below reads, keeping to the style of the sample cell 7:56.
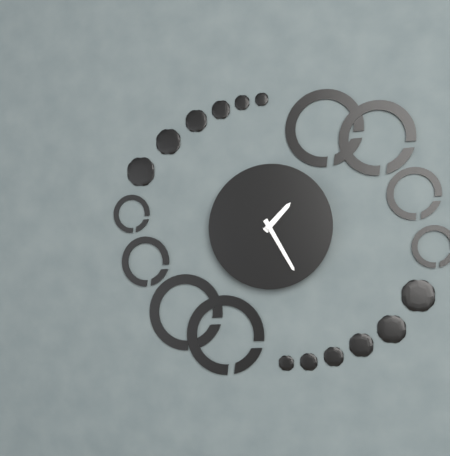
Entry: 1:25
